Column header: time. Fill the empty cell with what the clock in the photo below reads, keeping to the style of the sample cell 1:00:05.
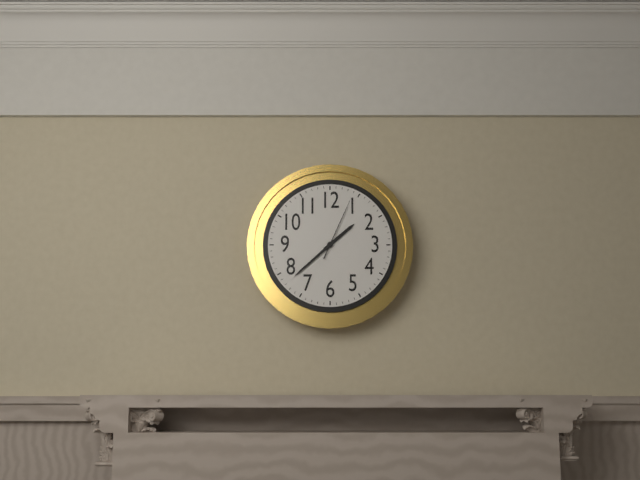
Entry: 1:38:04
